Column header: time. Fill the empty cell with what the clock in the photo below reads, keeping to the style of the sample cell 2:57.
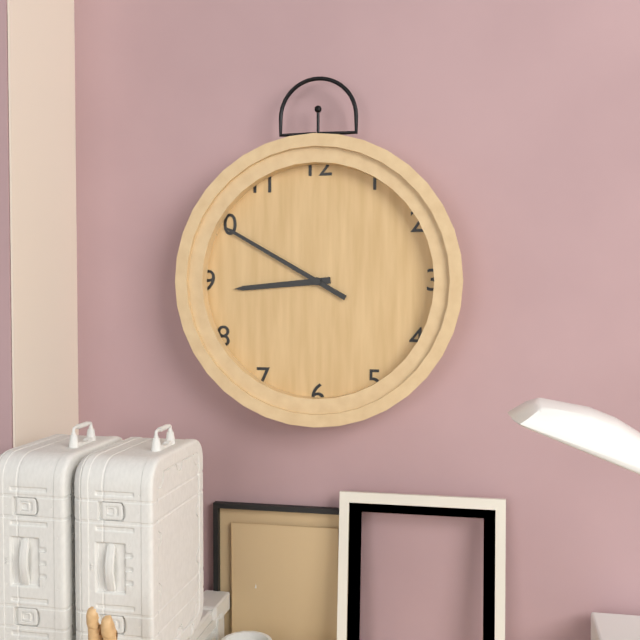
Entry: 8:50
